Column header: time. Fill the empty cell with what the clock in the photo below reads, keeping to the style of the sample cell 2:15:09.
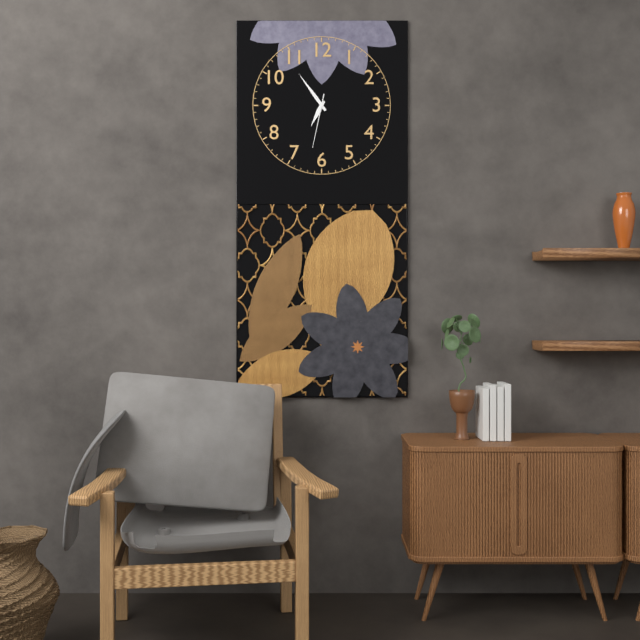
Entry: 6:54:32
